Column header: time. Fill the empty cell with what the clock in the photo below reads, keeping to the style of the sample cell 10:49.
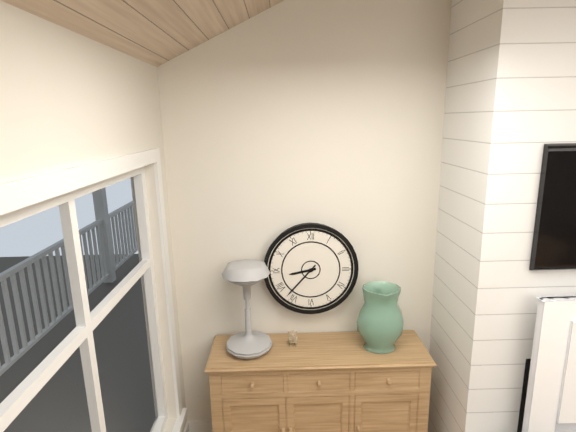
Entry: 8:37
